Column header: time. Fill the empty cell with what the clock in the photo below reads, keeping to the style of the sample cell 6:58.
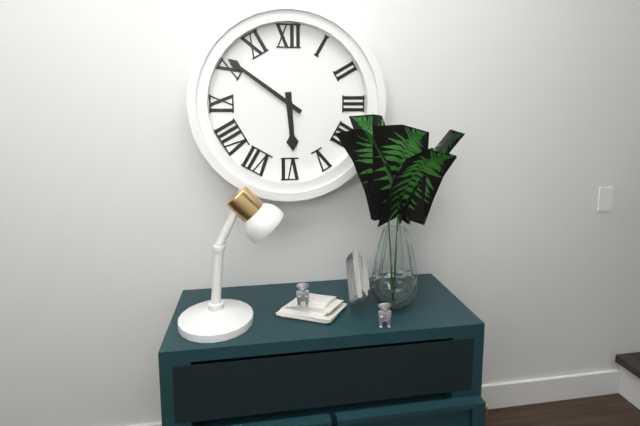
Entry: 5:51
